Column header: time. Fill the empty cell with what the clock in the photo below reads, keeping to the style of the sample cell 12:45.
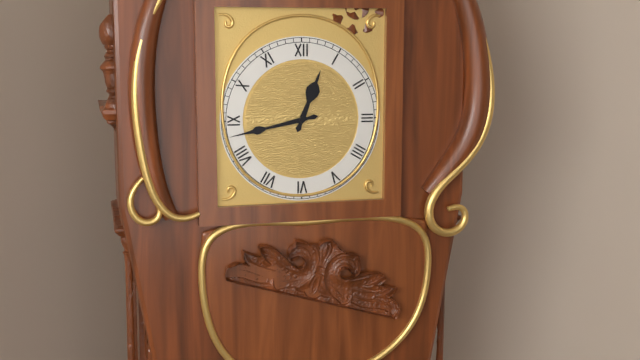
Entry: 12:43
